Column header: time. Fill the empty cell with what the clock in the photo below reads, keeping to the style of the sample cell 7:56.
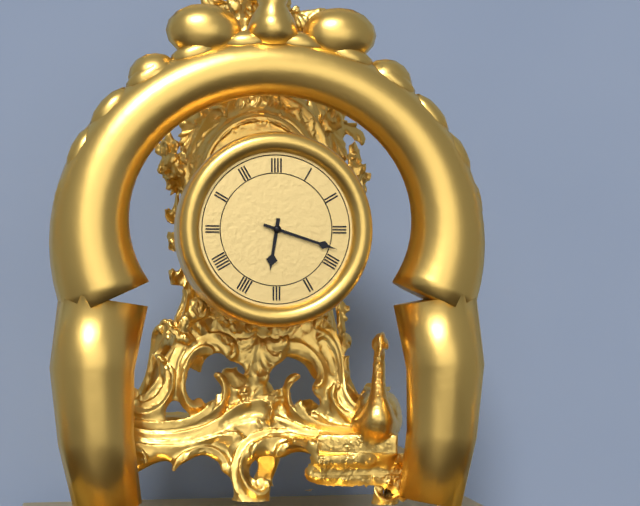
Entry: 6:18
